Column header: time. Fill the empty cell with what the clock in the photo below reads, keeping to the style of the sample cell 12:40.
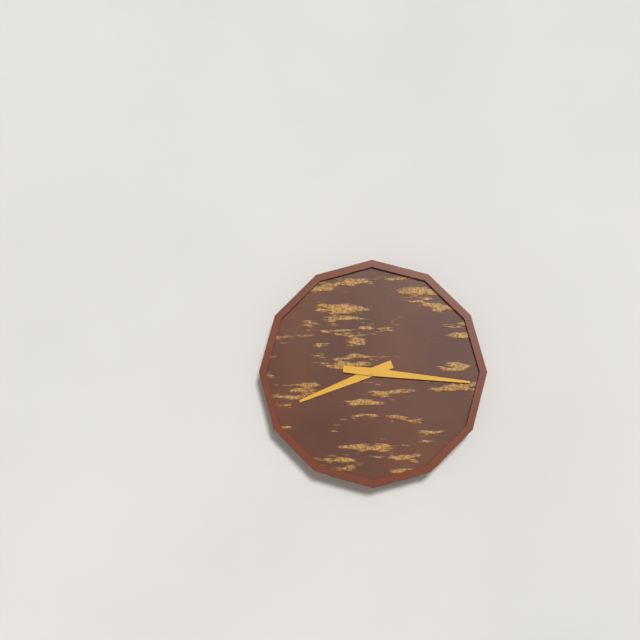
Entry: 8:16
